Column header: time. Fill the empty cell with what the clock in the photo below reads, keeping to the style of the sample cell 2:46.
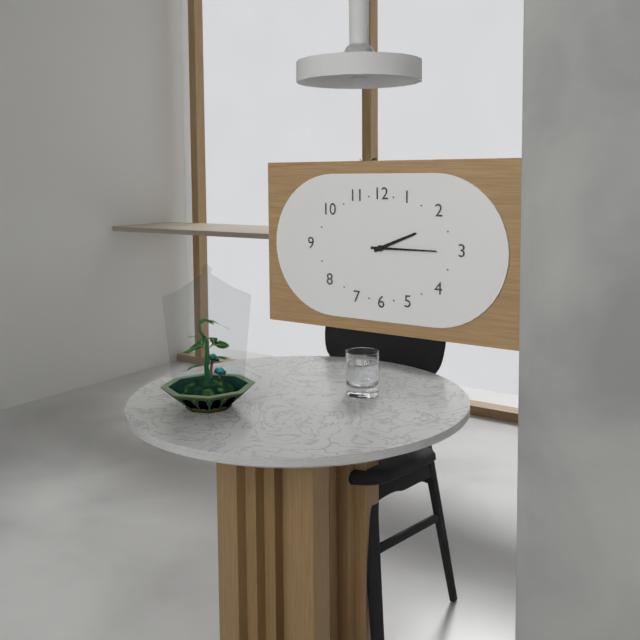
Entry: 2:15
